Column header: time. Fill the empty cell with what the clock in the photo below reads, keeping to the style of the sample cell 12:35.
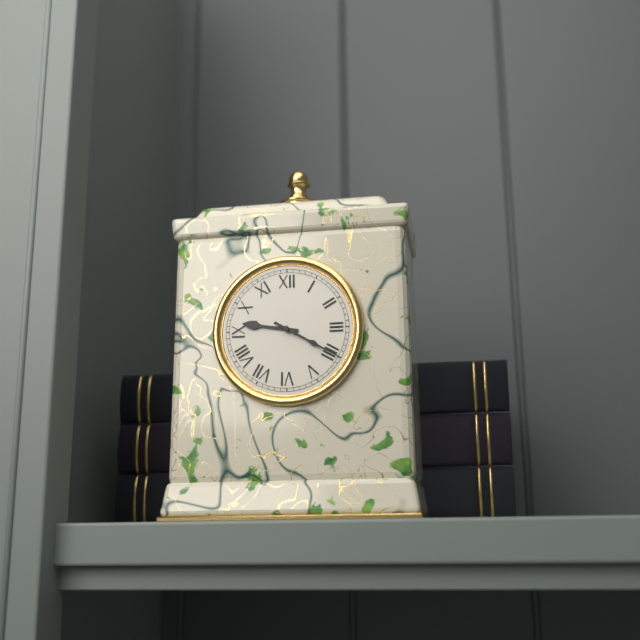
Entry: 9:20
